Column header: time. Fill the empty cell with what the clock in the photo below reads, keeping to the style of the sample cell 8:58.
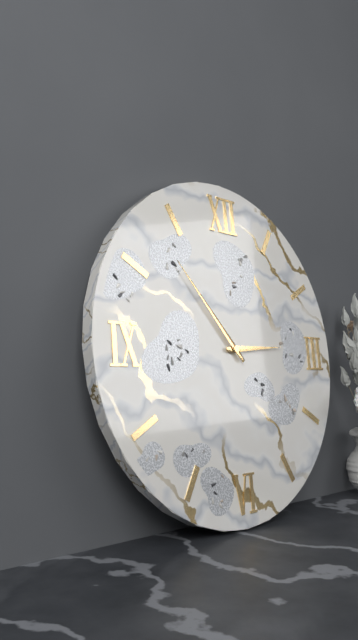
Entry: 2:53
